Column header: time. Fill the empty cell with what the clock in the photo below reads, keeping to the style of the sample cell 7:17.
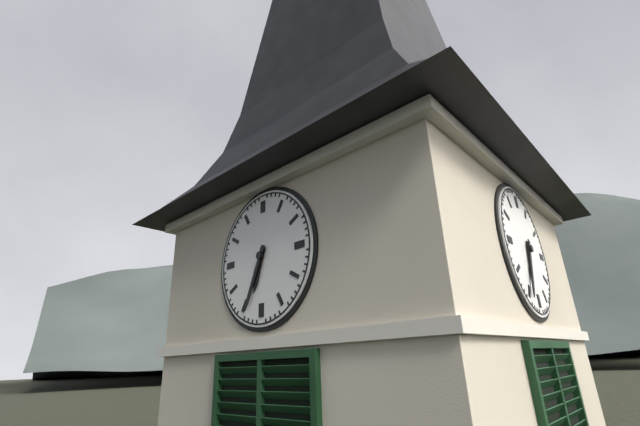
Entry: 6:34
